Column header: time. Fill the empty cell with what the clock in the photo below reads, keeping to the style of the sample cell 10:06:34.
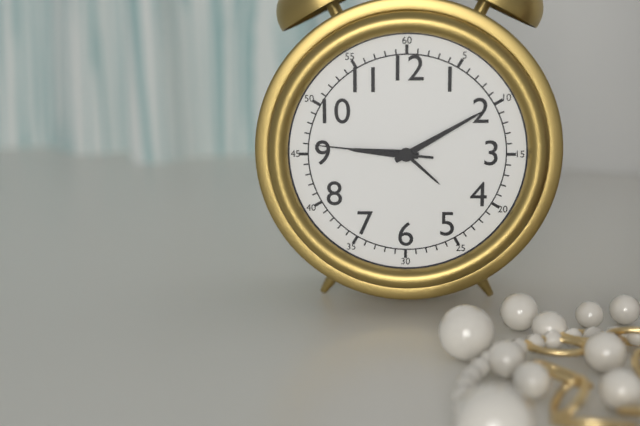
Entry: 9:10:46
